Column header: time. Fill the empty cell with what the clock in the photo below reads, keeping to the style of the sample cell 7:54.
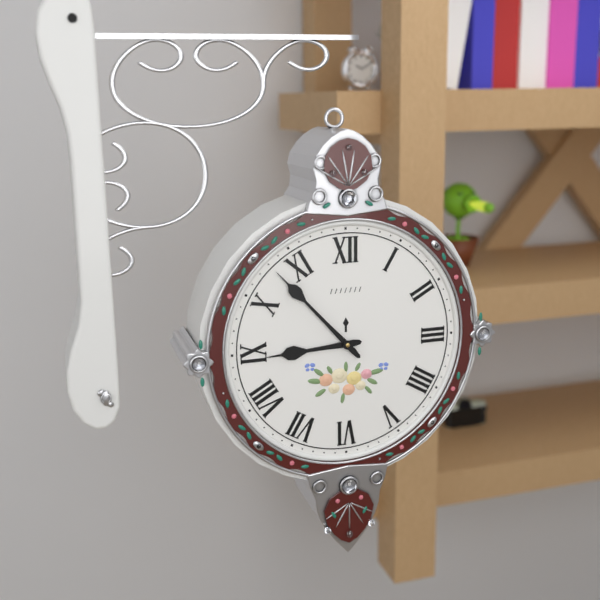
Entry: 8:53
